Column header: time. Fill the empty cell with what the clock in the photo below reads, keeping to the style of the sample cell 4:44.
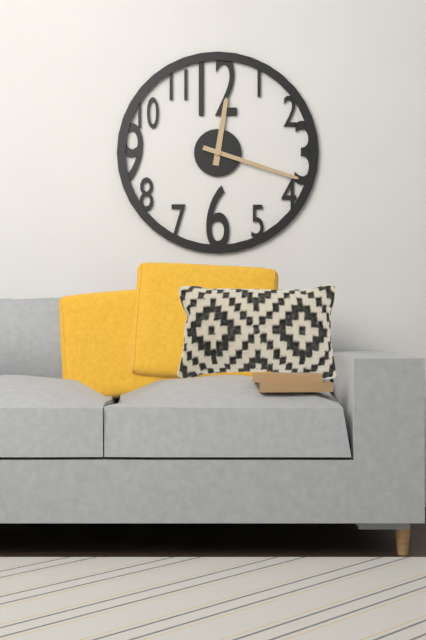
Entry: 12:18
